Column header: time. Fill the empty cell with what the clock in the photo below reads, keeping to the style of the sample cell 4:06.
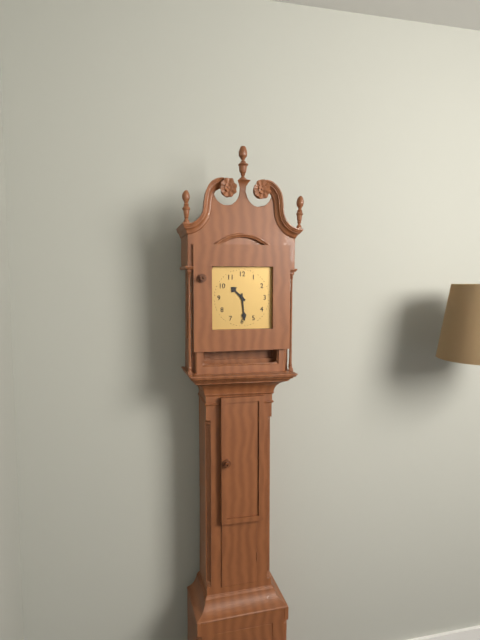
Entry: 10:29
